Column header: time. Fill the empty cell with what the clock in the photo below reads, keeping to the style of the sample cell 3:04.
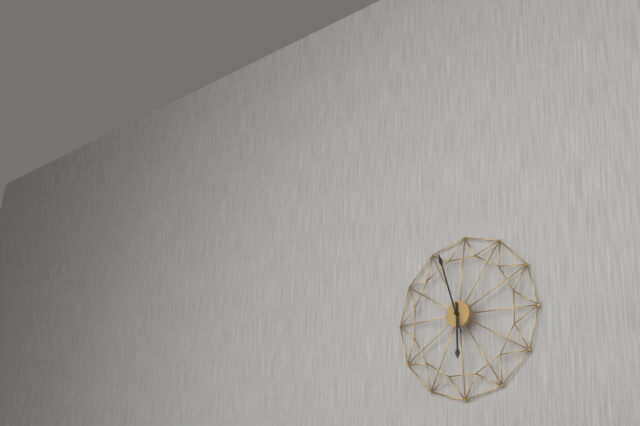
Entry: 5:57
